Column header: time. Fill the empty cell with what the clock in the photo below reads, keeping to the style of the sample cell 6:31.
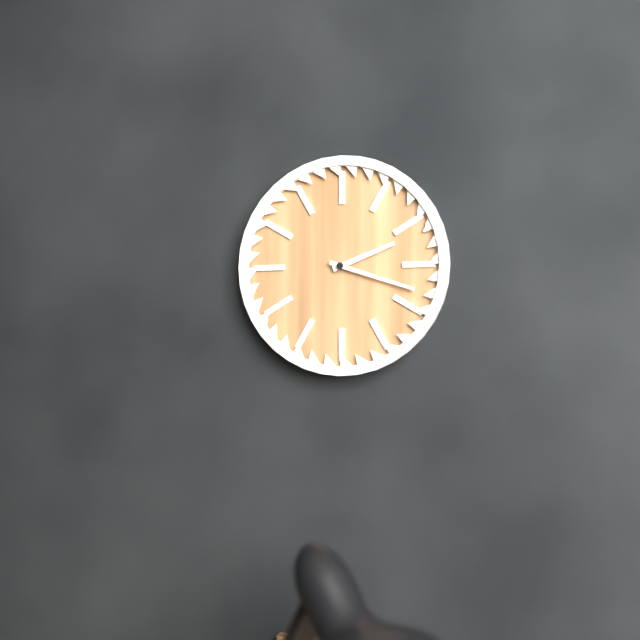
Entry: 2:18
